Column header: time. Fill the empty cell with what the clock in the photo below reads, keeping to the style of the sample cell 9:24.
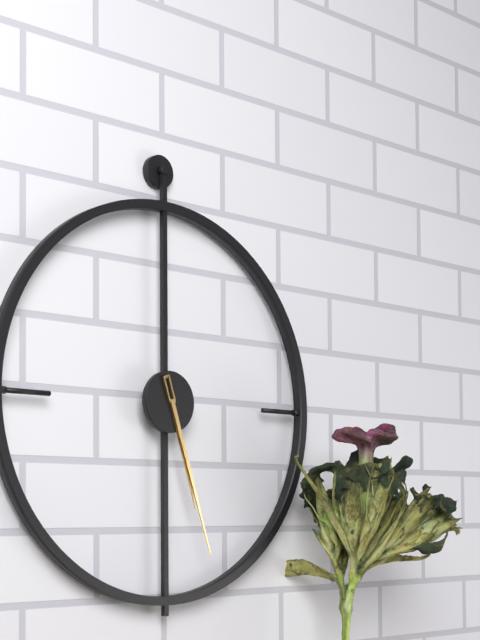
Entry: 5:27
